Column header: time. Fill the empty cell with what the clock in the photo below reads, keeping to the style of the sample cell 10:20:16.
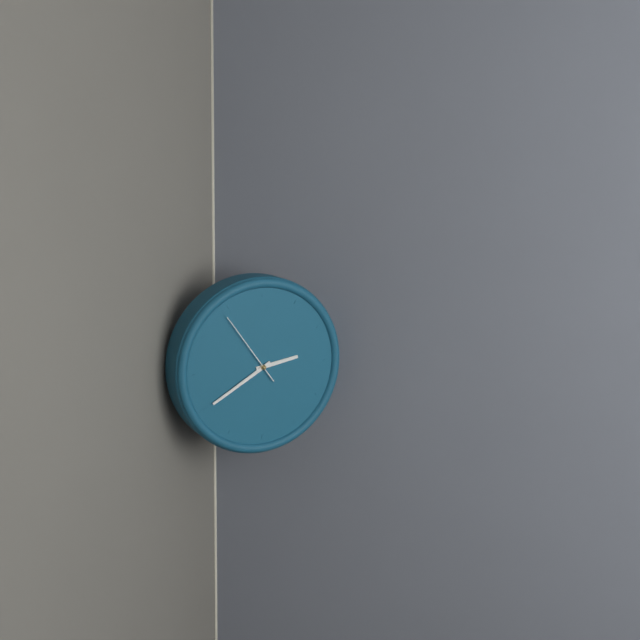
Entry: 2:40:54
